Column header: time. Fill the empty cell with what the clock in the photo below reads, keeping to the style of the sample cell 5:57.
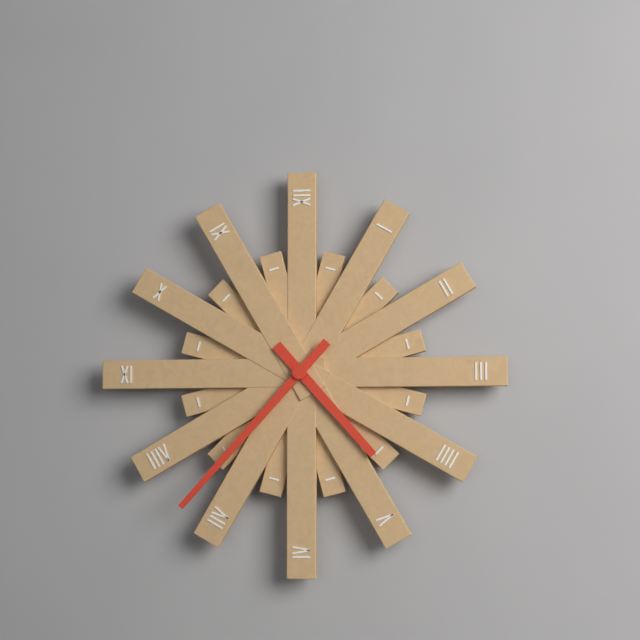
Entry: 4:37
